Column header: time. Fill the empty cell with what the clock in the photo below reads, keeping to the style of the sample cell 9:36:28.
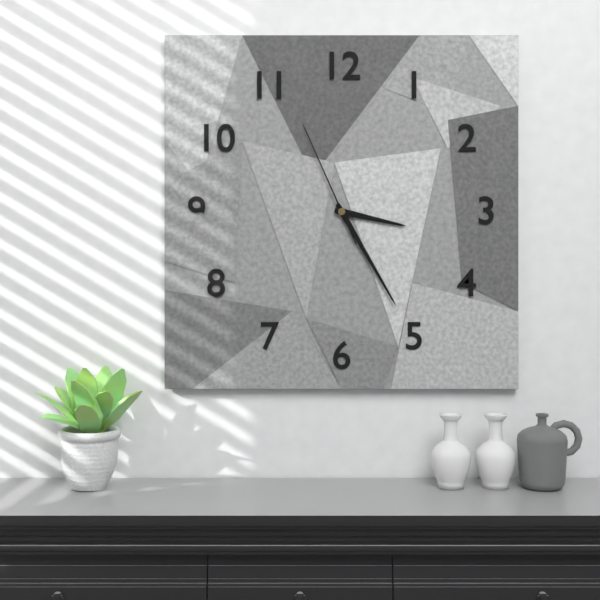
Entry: 3:25:56
